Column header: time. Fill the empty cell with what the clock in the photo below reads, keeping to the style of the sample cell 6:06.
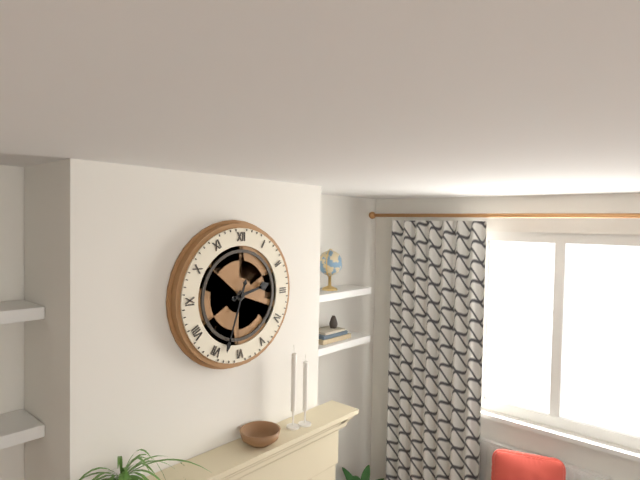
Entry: 2:33
